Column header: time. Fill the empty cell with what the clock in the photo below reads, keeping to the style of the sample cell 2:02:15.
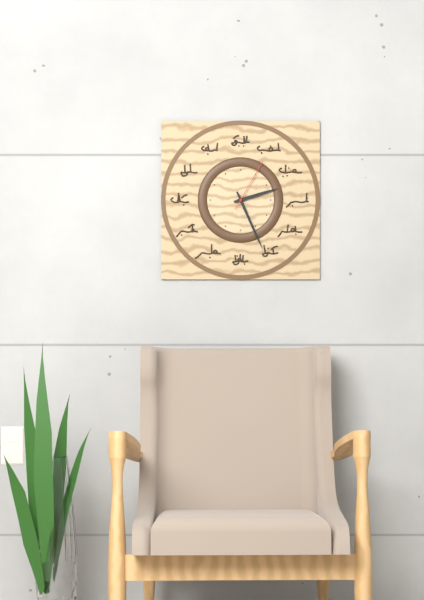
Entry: 2:26:05
